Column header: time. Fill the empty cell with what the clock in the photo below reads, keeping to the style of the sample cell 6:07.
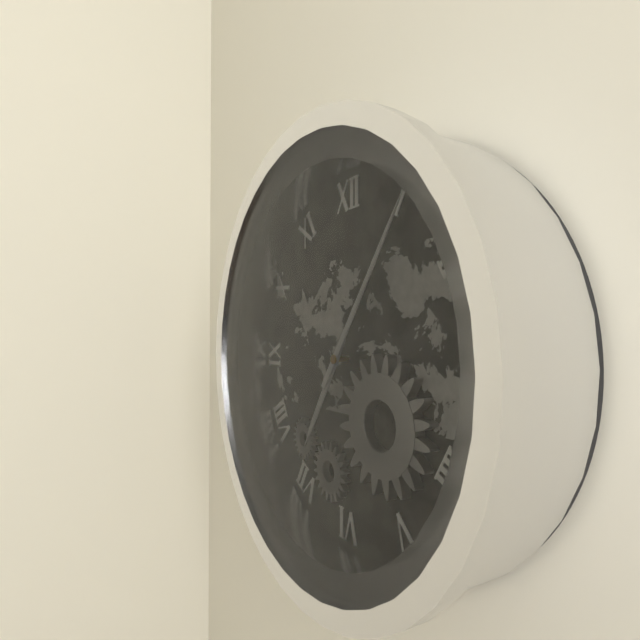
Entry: 7:06
